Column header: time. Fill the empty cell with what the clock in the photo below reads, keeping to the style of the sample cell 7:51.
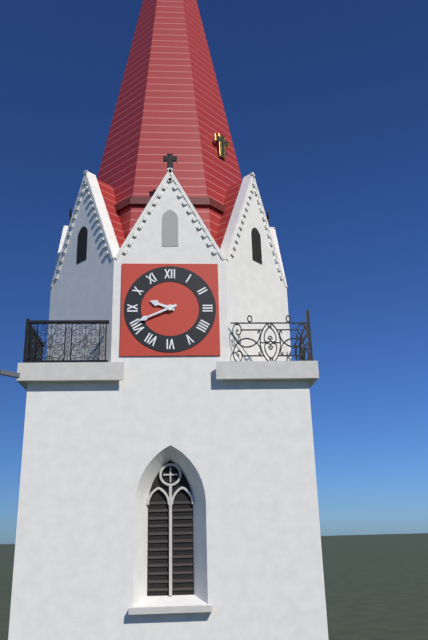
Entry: 9:41
